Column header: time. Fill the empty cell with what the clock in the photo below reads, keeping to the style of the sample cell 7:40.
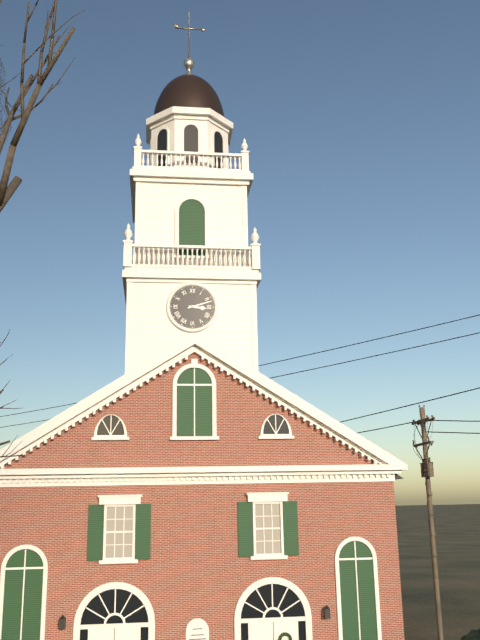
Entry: 3:12
